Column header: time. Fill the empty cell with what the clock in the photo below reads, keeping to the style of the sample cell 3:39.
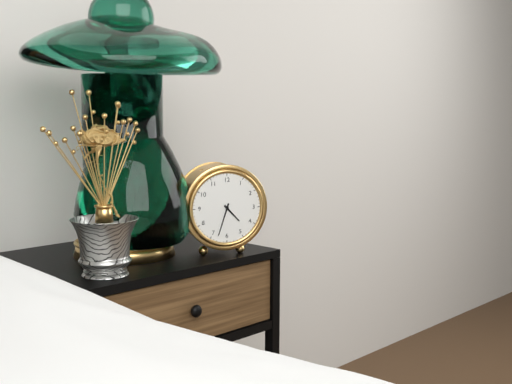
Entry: 4:33
